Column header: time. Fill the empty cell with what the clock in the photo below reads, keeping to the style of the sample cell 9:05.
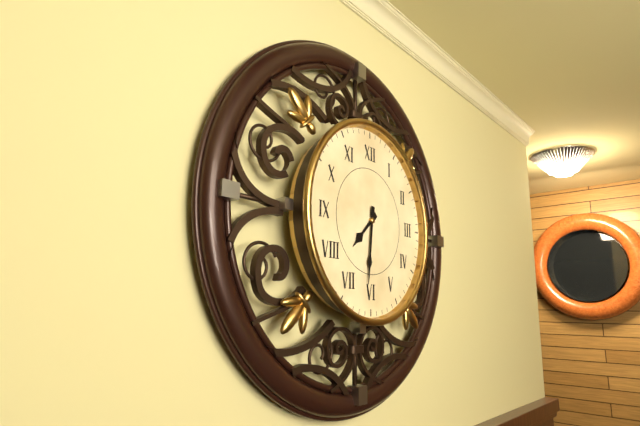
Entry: 7:31
